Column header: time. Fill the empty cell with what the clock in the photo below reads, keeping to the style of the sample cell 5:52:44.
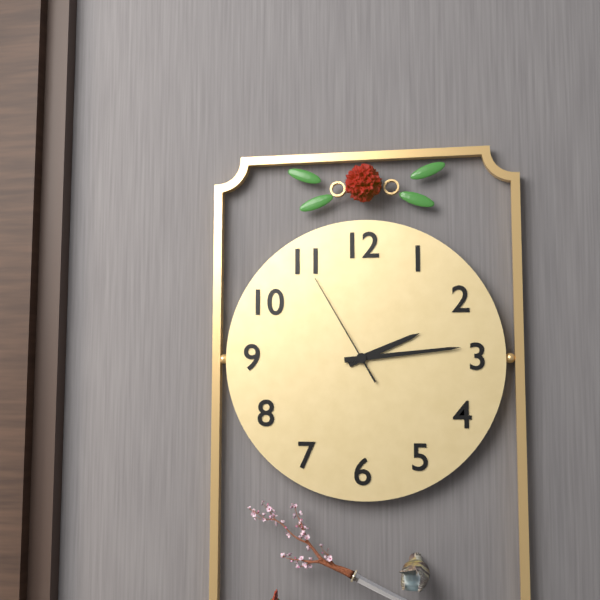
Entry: 2:14:55
